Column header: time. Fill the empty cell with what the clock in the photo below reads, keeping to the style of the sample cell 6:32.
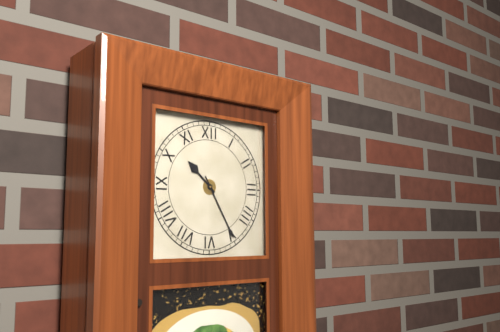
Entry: 10:25
